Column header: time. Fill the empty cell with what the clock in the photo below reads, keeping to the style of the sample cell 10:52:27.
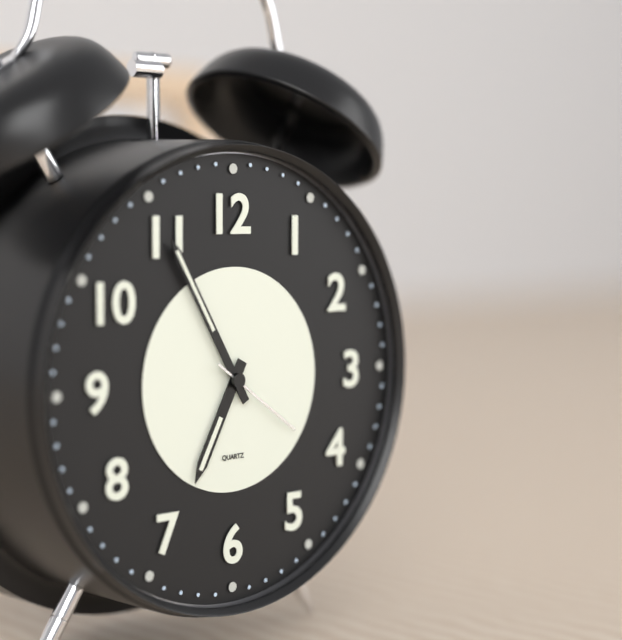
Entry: 6:55:21
